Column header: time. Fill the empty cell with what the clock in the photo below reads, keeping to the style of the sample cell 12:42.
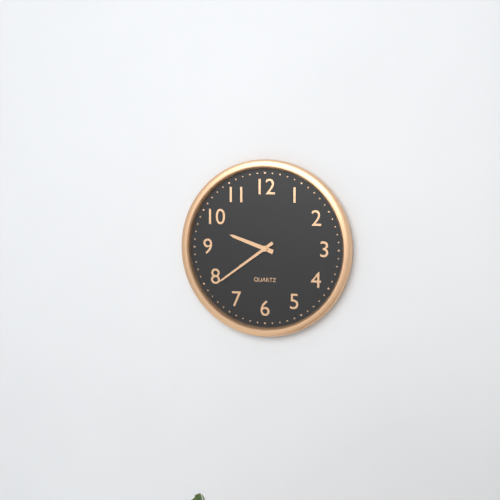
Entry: 9:39
